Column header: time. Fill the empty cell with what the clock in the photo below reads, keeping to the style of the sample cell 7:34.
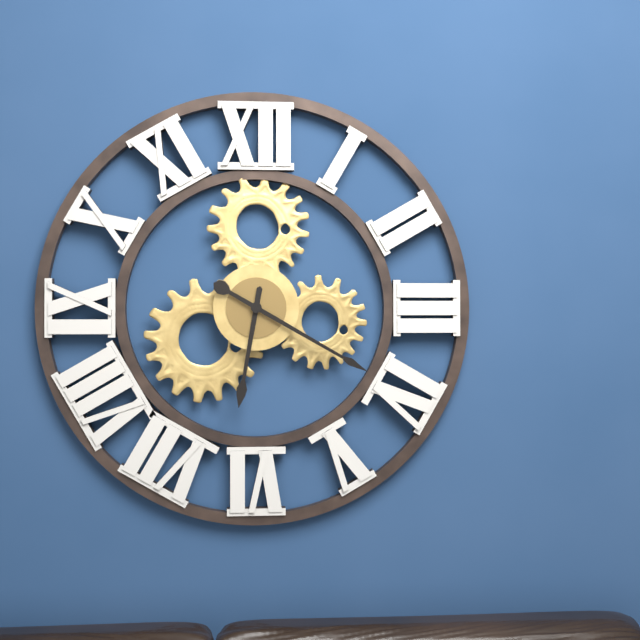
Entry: 6:20
